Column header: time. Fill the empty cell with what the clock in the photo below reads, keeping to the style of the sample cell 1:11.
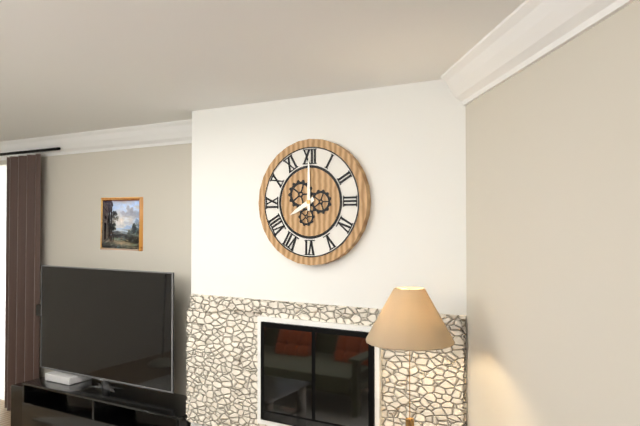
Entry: 8:00
